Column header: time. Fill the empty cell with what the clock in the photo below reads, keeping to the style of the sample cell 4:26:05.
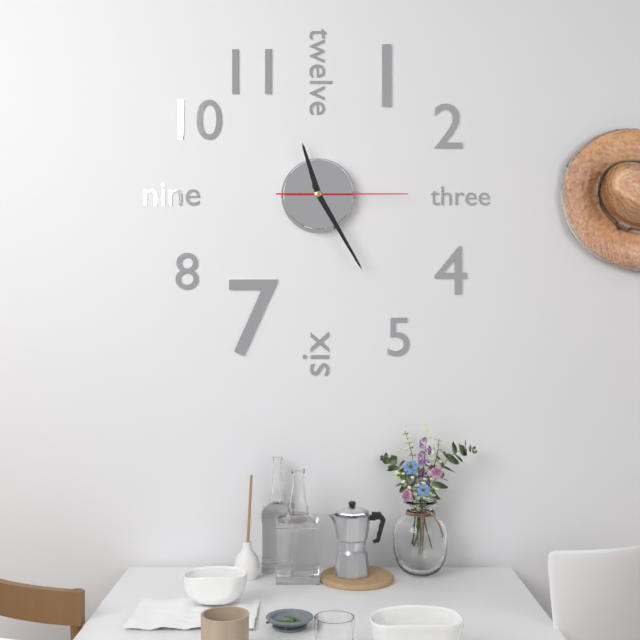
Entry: 11:25:15
